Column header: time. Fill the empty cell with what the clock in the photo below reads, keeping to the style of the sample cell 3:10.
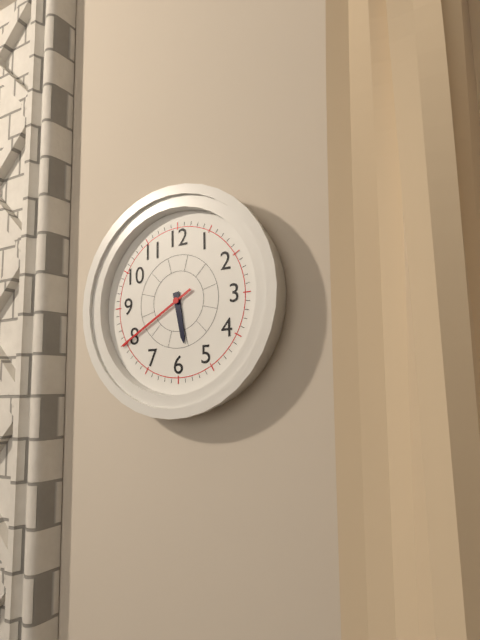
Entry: 5:40
